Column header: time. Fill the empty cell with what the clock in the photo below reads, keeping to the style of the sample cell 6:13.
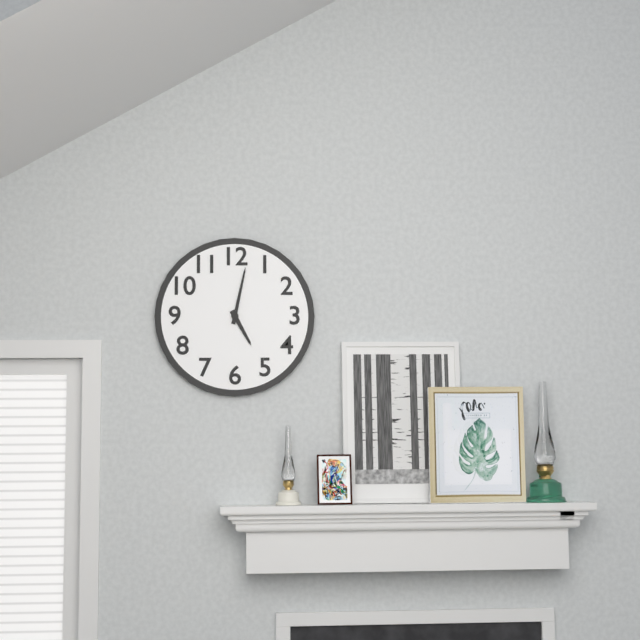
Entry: 5:02
